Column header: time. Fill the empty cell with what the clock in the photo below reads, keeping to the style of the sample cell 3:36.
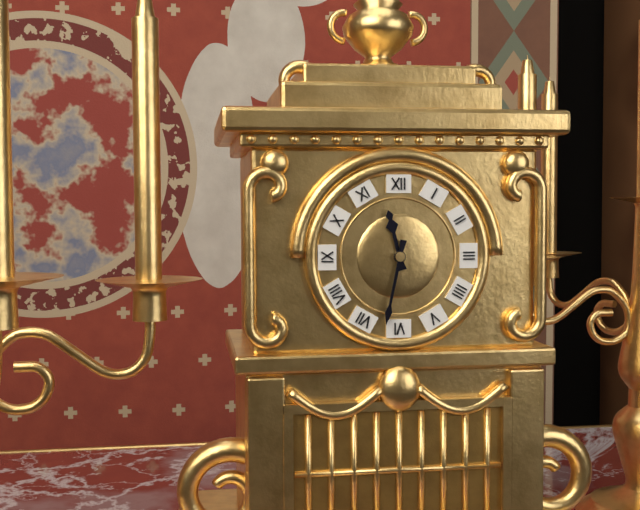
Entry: 11:32
